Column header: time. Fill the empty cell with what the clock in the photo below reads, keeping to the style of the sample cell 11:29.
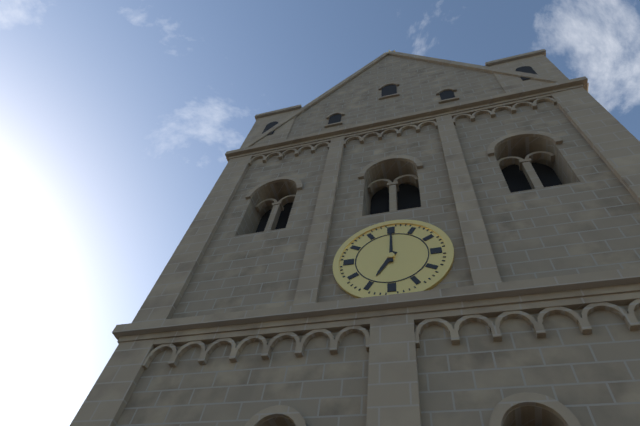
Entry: 7:00
